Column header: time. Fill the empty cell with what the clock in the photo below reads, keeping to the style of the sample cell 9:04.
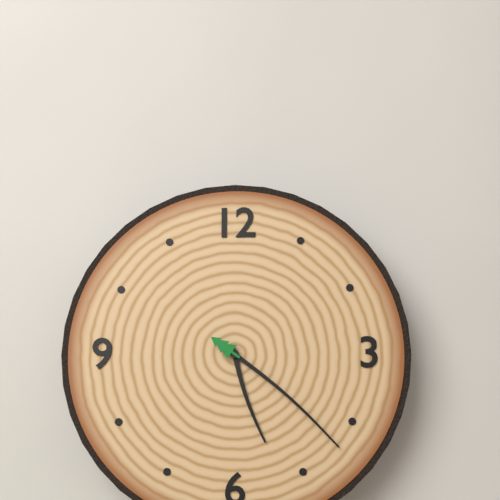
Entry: 5:22
